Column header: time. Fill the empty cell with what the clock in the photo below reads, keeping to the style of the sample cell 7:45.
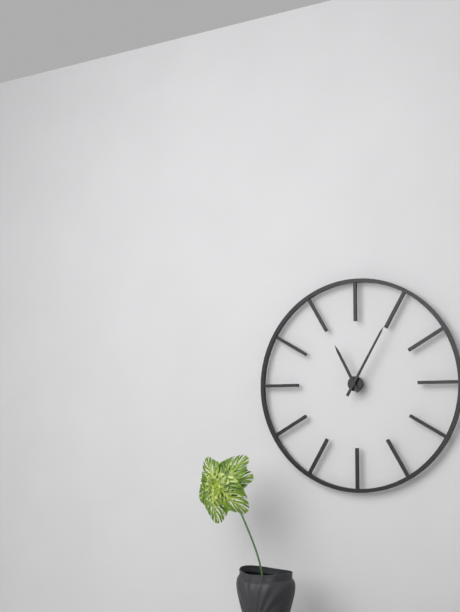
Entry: 11:05
